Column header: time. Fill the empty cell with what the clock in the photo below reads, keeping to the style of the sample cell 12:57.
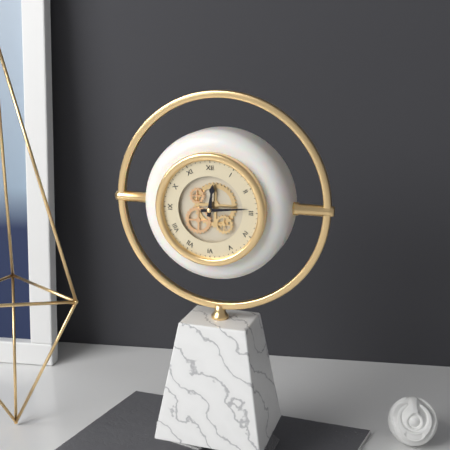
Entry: 12:14
